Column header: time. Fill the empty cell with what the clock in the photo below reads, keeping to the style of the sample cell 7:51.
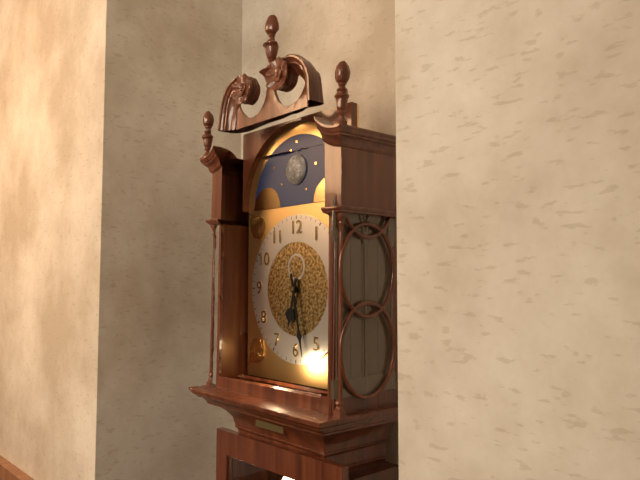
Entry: 6:28
